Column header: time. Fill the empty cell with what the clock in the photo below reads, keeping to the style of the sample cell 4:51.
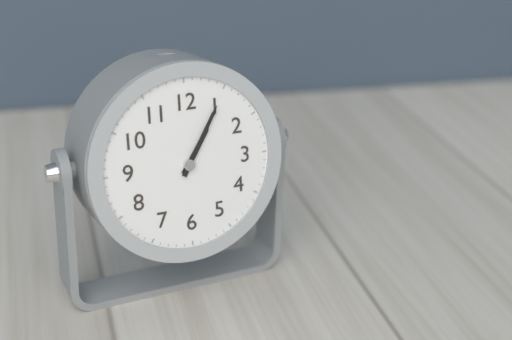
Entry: 1:05
